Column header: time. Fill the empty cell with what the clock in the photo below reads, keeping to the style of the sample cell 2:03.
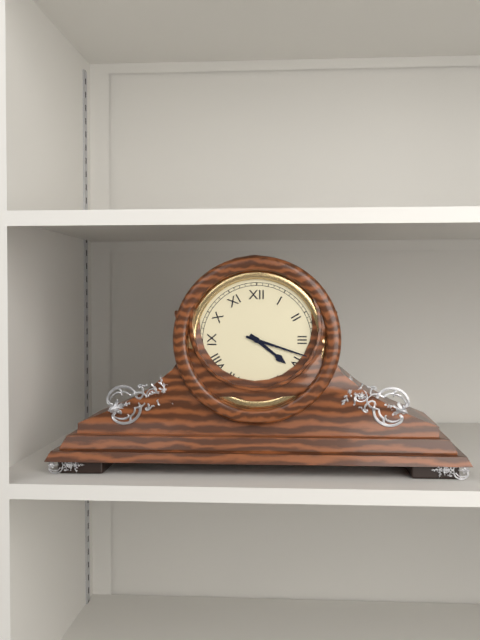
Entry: 4:18
